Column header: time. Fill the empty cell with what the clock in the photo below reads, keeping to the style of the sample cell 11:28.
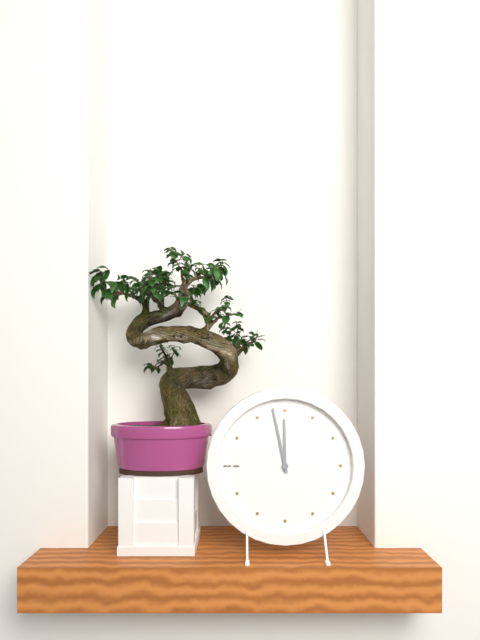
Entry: 11:58
